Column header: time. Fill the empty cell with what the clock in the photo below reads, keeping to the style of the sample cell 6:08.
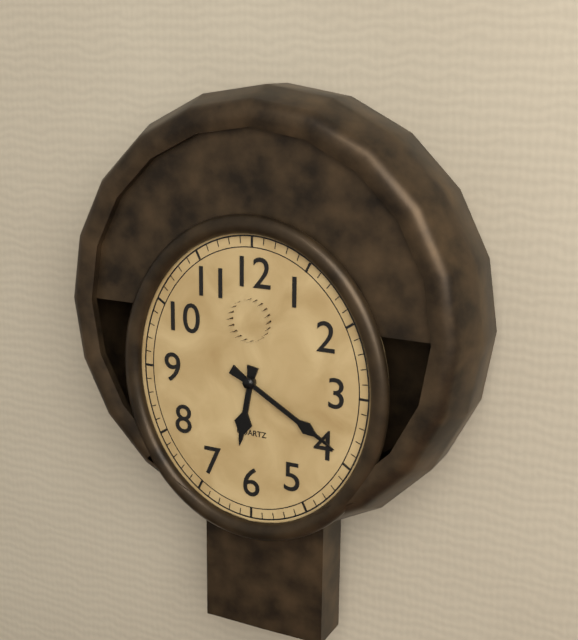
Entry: 6:20
